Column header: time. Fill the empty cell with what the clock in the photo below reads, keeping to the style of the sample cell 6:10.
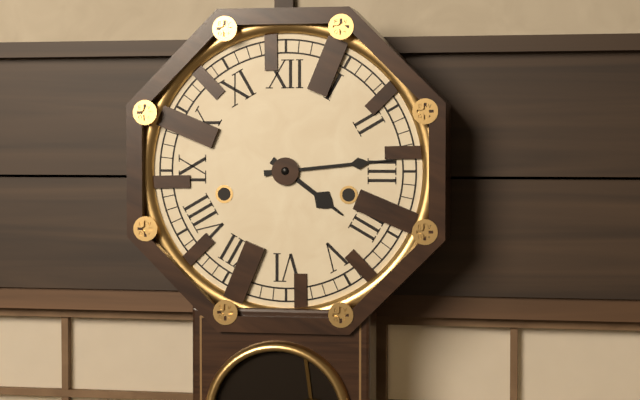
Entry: 4:14
